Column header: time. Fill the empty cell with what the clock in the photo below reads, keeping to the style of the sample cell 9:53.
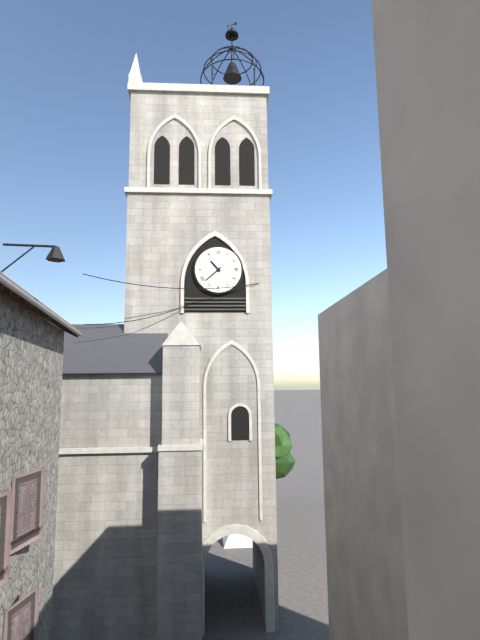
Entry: 10:38
